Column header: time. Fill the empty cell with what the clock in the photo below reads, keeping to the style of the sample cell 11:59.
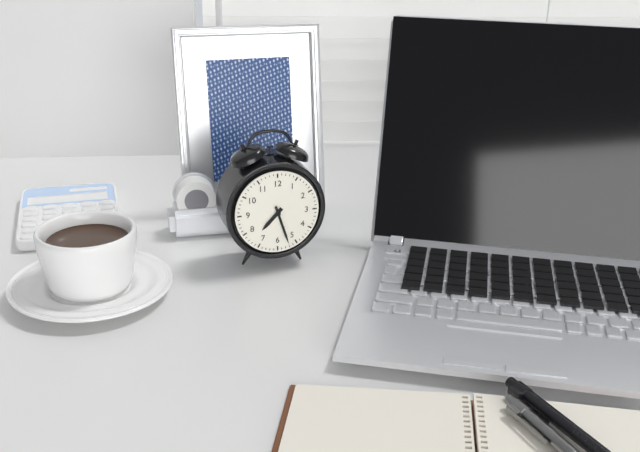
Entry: 7:27
